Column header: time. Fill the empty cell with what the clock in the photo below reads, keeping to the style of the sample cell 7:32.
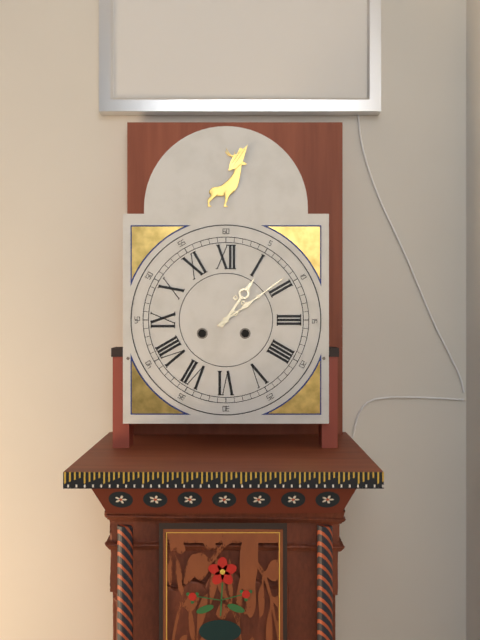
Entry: 1:09
